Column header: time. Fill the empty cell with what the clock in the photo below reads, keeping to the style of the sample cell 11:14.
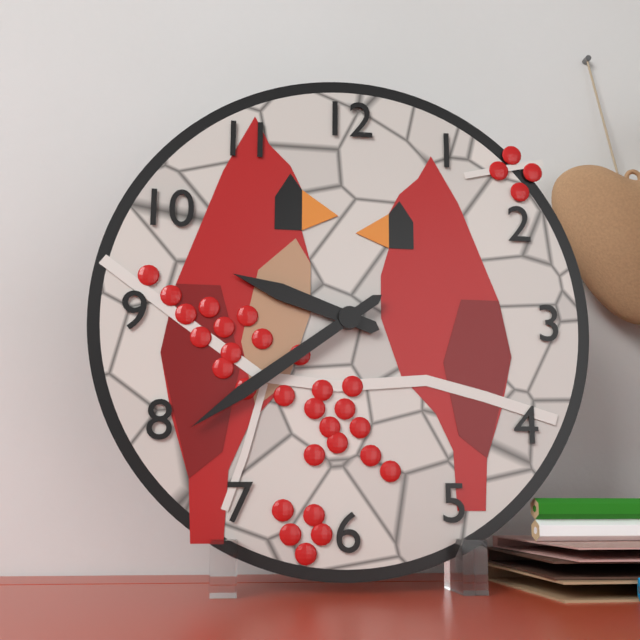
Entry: 9:39
